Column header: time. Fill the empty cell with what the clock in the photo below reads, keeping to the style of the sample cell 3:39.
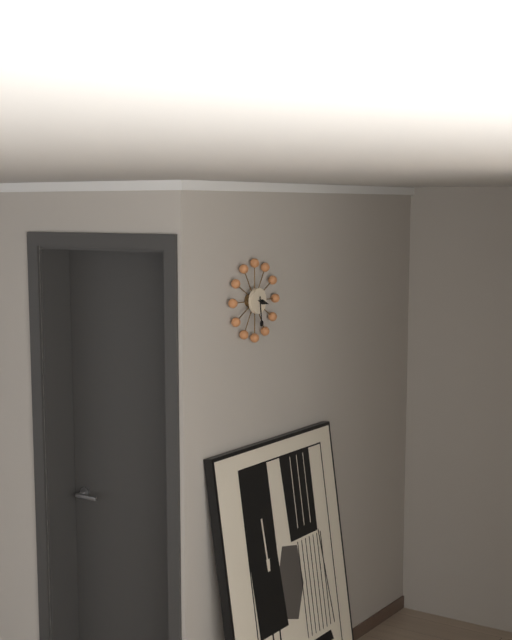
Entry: 3:29
